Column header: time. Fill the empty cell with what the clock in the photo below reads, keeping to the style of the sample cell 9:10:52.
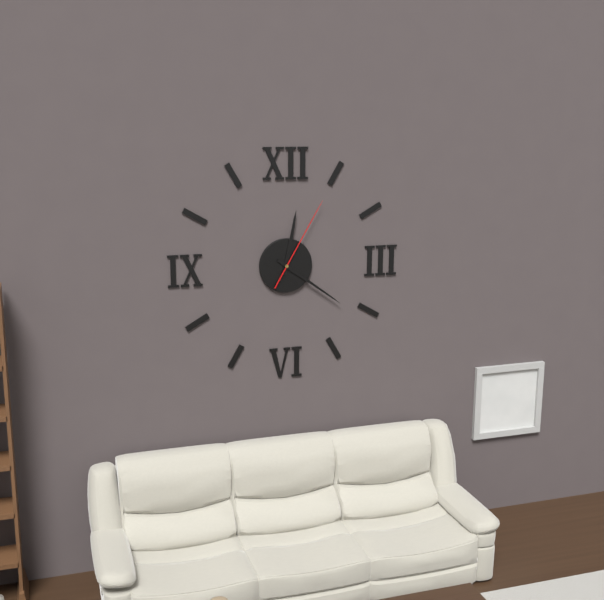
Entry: 12:21:05
